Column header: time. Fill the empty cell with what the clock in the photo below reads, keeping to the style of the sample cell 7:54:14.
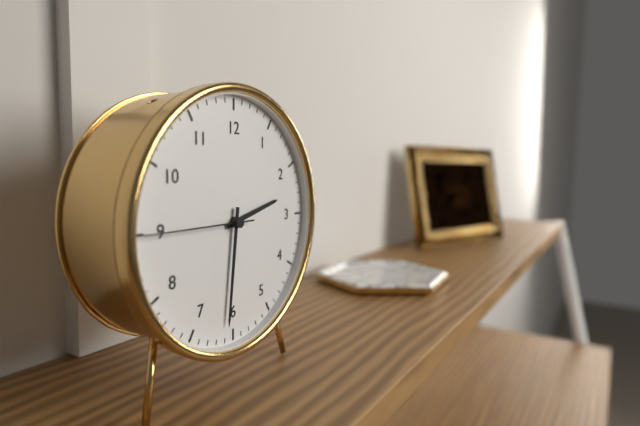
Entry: 2:31:45
